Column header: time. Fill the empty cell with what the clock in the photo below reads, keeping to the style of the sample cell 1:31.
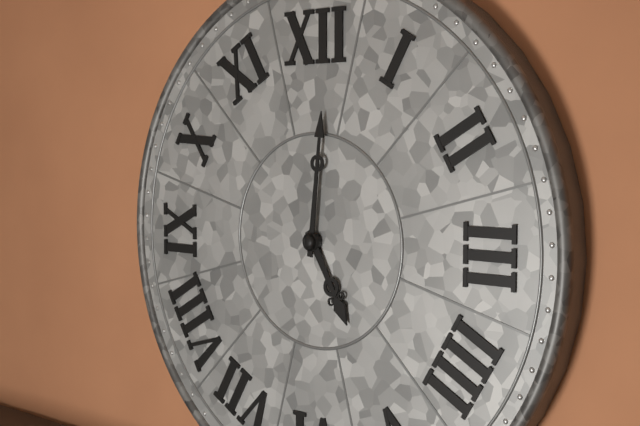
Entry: 5:01
